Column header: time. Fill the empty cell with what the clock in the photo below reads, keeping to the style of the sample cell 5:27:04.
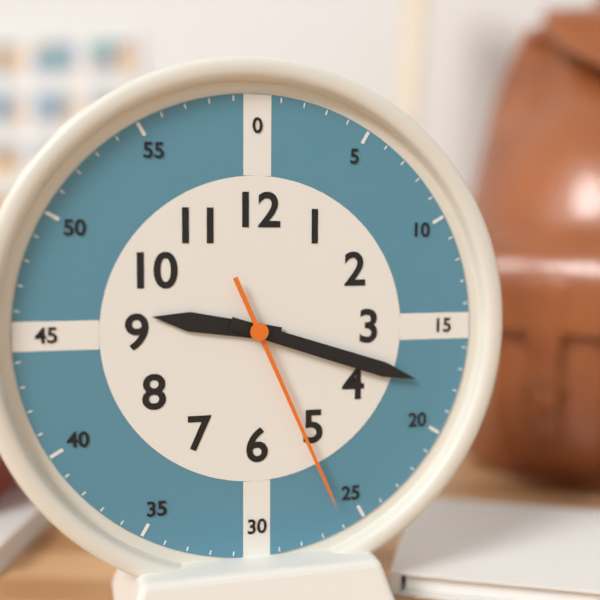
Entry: 9:18:26
